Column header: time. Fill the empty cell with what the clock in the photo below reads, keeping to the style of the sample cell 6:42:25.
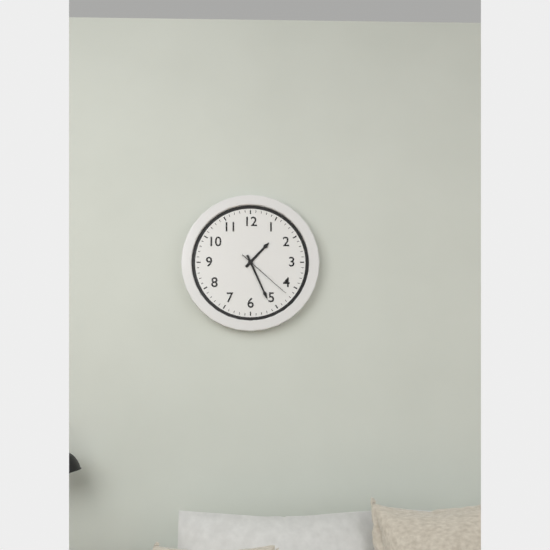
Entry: 1:26:22
